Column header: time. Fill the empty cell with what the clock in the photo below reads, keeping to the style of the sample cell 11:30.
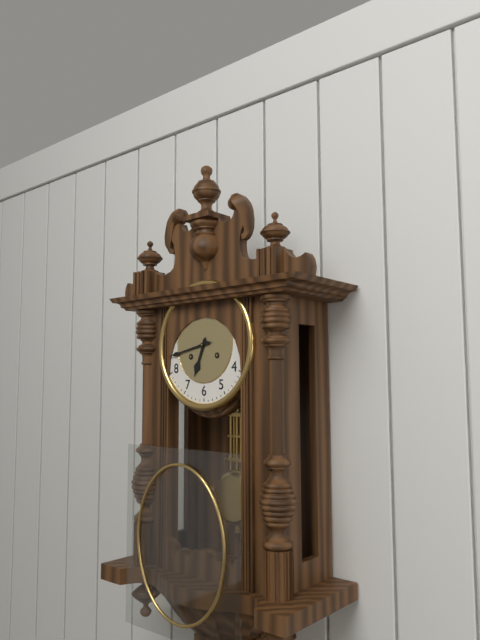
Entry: 6:43
